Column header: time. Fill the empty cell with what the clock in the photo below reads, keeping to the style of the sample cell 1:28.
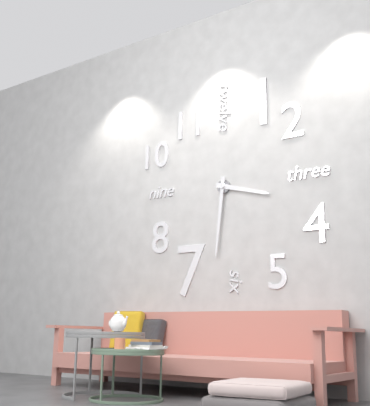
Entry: 3:31
